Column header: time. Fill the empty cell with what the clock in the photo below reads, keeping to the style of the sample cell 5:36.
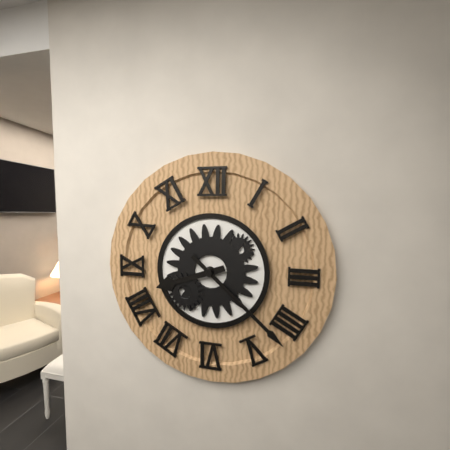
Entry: 8:22
